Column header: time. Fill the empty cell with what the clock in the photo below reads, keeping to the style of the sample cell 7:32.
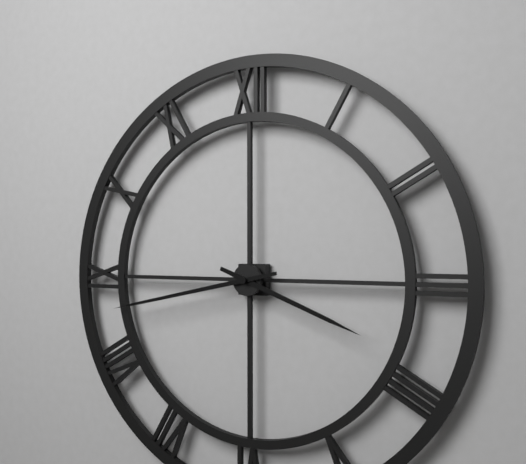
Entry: 3:43
